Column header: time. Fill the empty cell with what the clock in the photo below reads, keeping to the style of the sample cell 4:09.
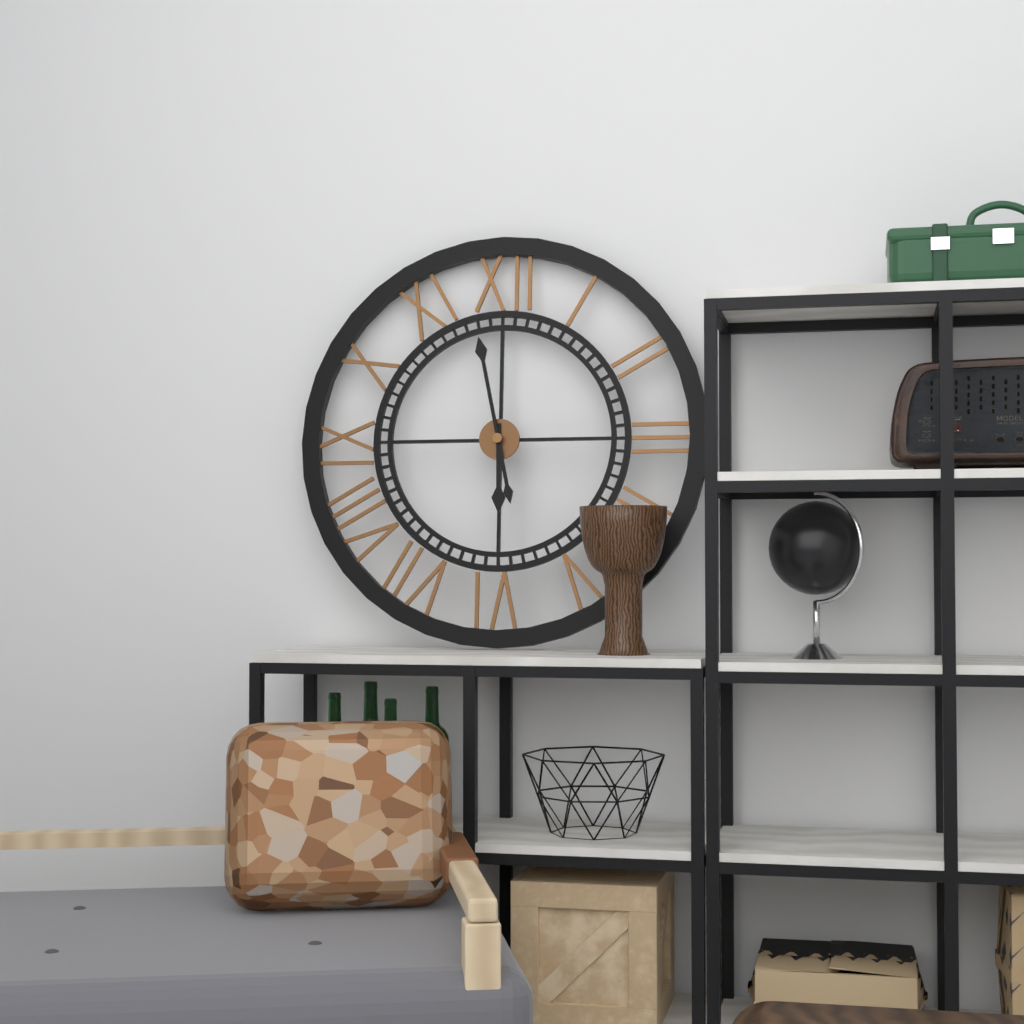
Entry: 5:58
